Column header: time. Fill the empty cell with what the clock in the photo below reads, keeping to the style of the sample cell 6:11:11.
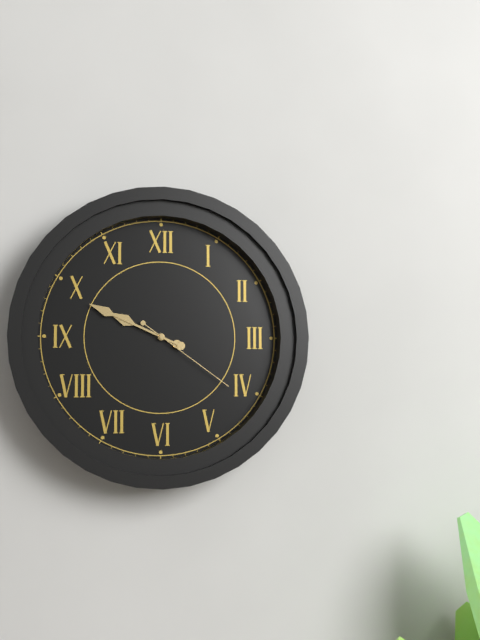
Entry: 9:49:21
